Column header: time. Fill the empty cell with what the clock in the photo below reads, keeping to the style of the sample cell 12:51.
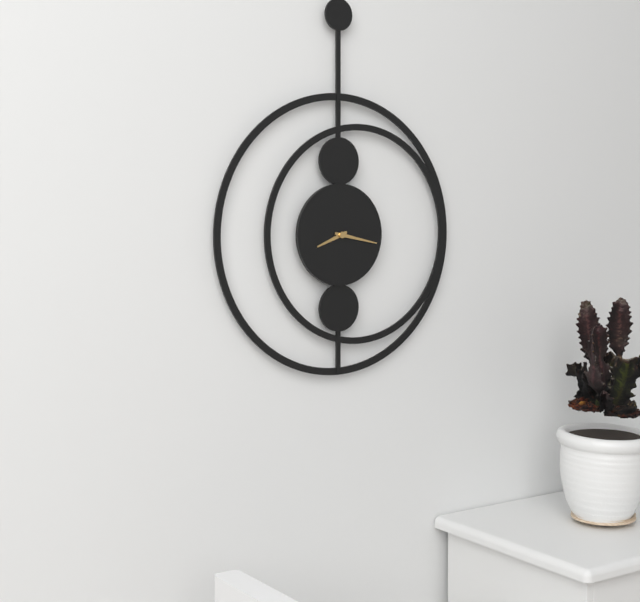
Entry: 8:17
